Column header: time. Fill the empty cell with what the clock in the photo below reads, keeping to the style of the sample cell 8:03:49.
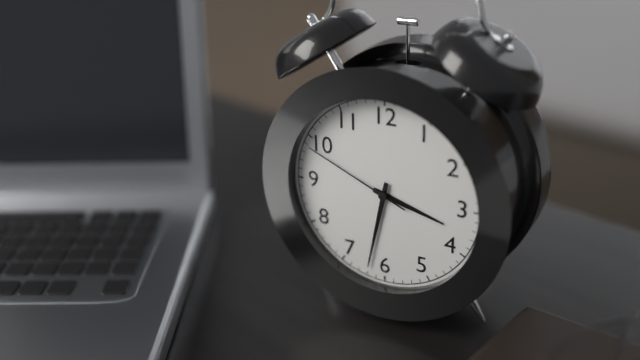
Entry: 3:32:49
